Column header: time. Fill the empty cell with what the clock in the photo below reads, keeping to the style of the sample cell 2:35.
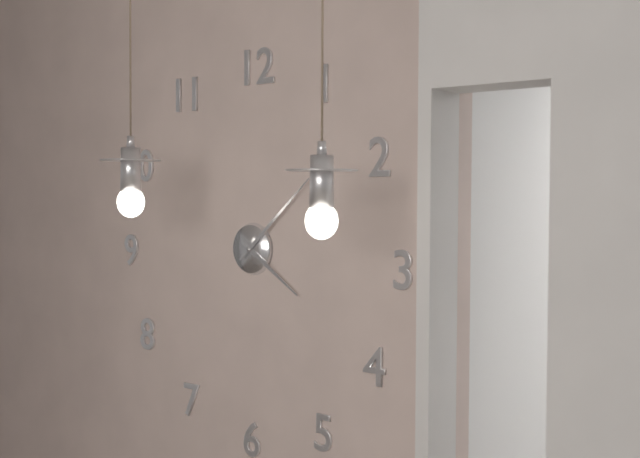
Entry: 4:08
